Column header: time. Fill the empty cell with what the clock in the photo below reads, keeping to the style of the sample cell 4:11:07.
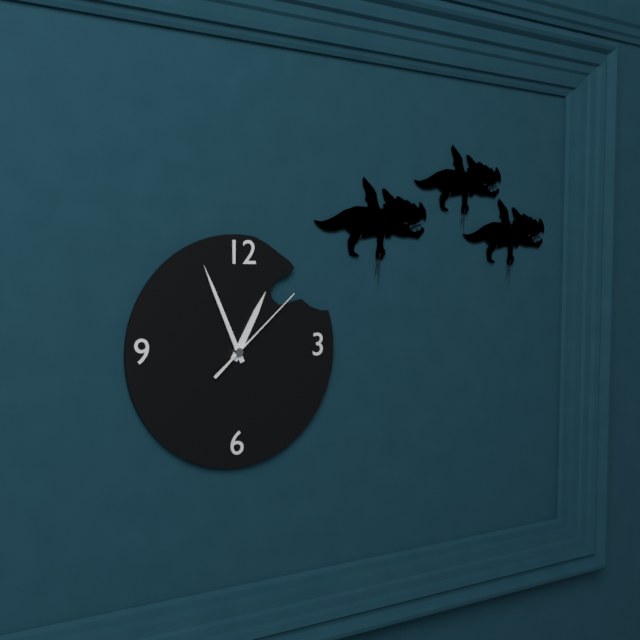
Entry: 12:56:08
